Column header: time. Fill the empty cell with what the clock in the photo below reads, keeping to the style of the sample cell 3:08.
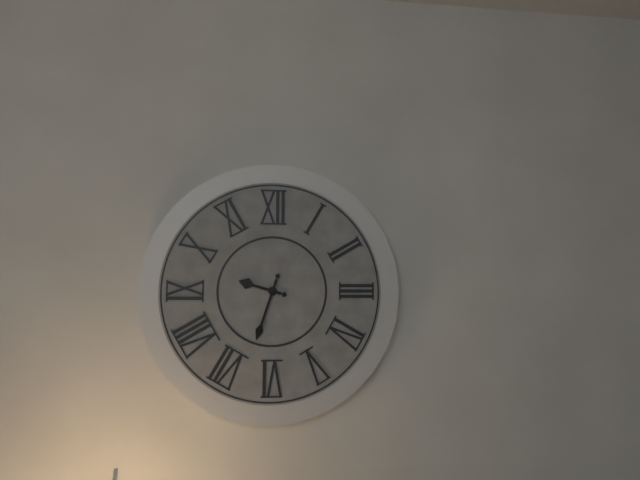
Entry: 9:33
